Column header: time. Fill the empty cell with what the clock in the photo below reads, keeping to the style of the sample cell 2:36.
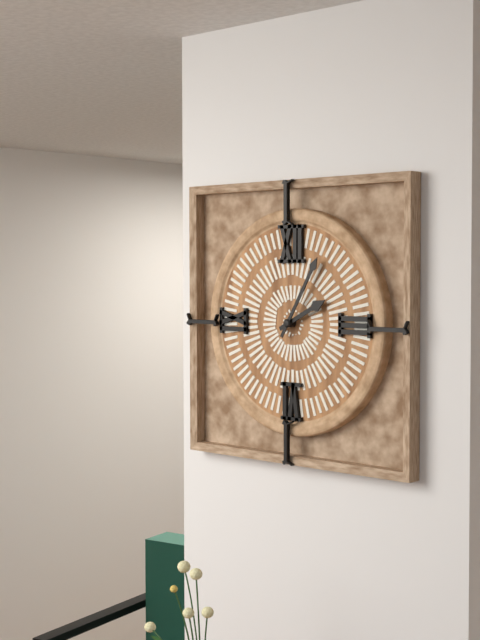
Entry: 2:05
